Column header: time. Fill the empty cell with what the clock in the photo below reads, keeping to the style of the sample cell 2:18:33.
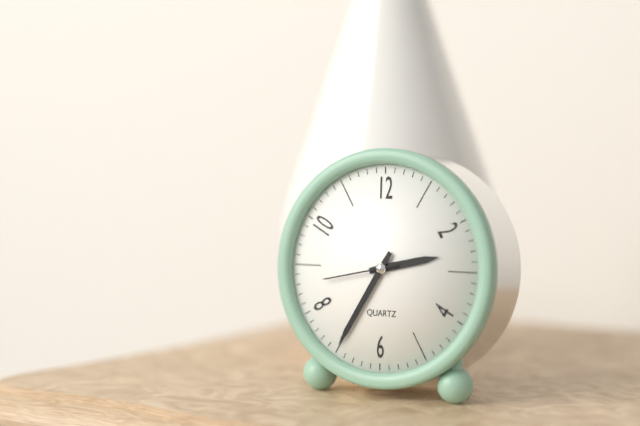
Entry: 2:35:43
